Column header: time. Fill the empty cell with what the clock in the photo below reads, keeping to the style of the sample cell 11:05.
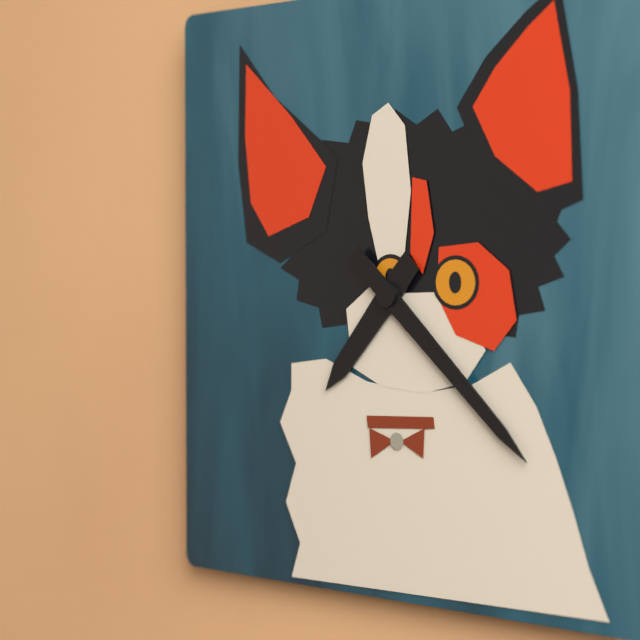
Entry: 7:22
